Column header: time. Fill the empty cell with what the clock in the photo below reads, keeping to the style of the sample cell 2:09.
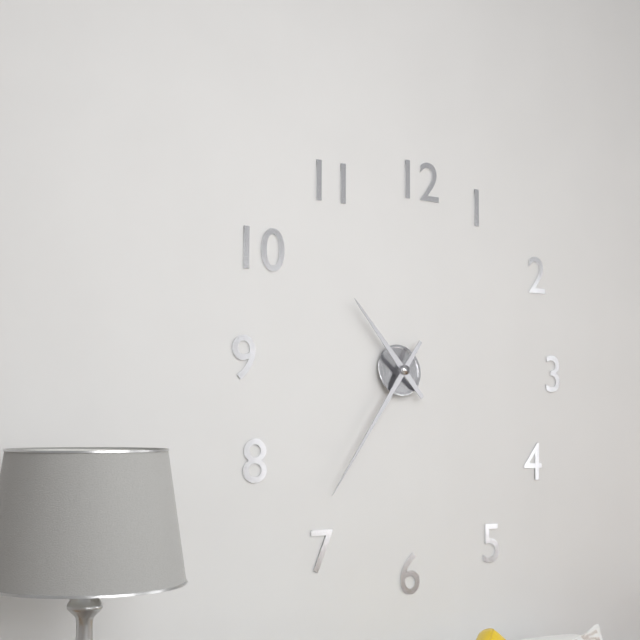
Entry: 10:36
